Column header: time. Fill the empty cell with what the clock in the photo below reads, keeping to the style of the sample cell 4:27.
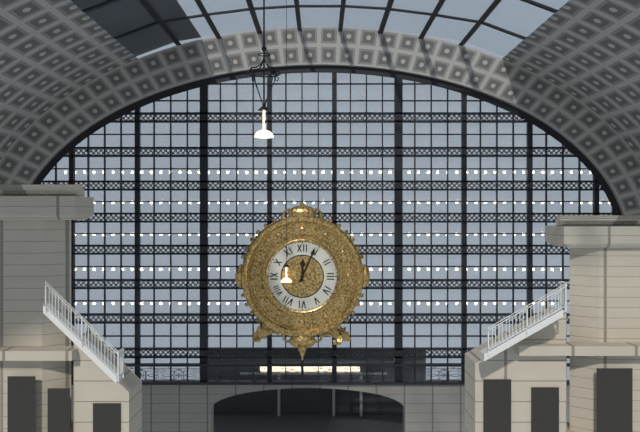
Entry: 12:04
